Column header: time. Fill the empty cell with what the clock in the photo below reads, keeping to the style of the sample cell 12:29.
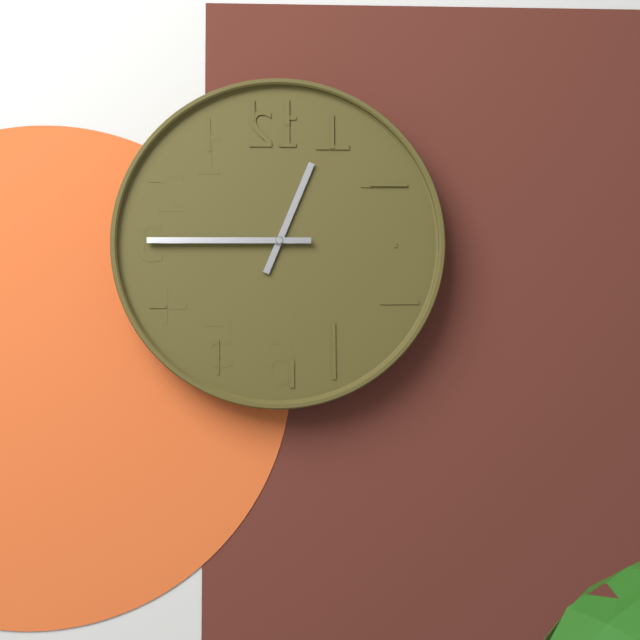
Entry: 12:45
